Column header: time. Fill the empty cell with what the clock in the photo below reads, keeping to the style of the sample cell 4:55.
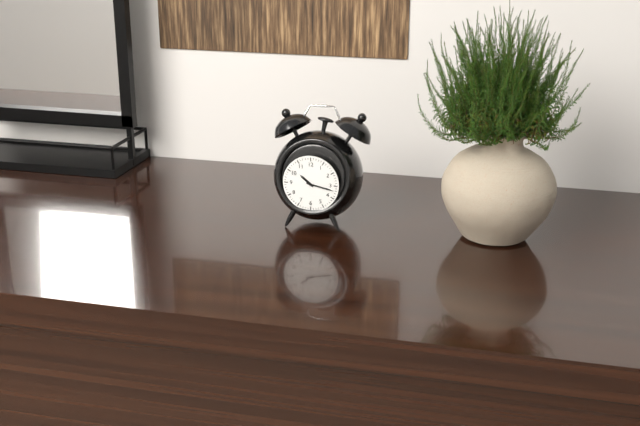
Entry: 10:17
